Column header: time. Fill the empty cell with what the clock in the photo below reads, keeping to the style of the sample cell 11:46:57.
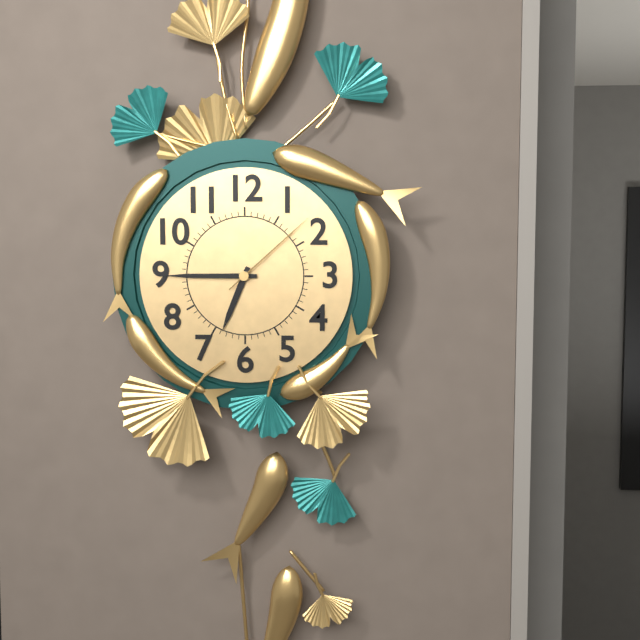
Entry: 6:45:08
